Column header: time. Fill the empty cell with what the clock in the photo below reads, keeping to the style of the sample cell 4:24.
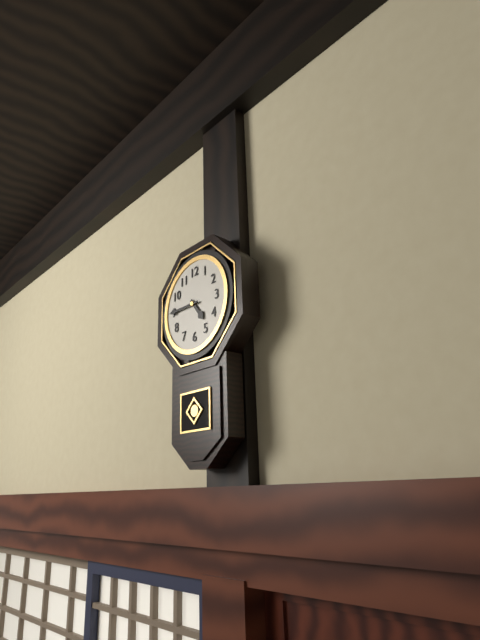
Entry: 4:45
